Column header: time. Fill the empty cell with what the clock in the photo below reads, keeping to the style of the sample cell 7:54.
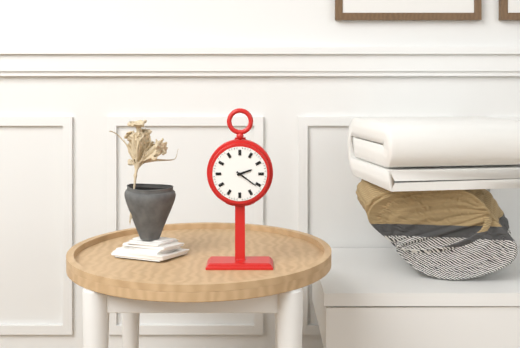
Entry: 2:21
